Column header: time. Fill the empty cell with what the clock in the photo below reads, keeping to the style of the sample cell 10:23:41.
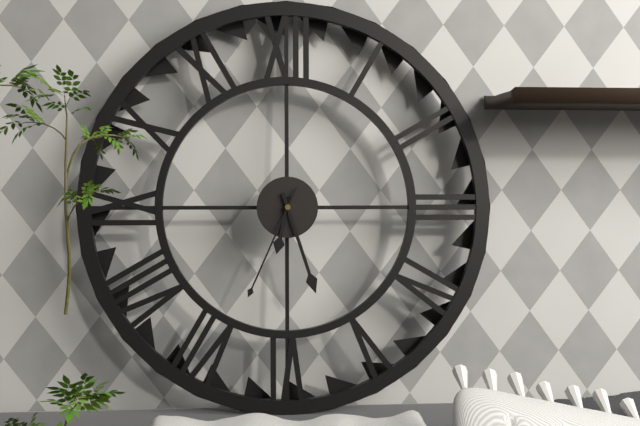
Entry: 6:27:34
